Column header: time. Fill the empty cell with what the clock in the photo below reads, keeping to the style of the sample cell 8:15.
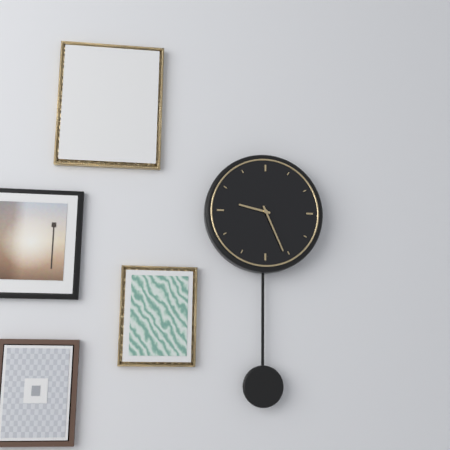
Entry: 9:26
